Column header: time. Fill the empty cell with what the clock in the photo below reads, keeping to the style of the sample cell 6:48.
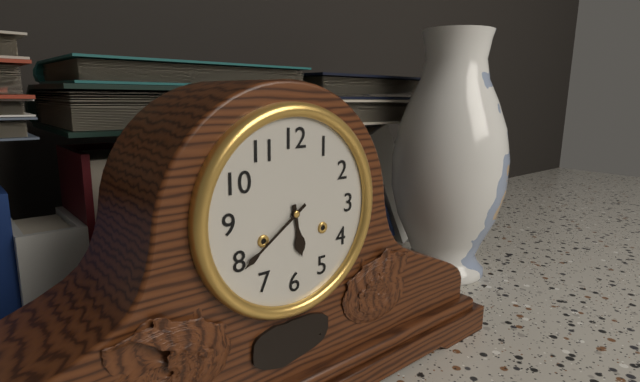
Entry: 5:39
